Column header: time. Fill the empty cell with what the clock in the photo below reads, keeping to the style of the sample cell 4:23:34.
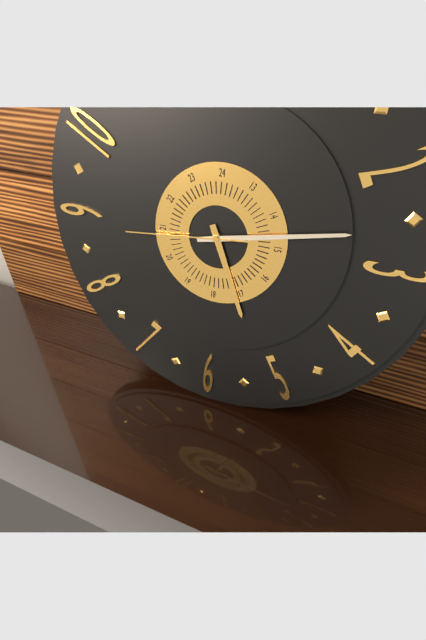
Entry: 5:13:44
